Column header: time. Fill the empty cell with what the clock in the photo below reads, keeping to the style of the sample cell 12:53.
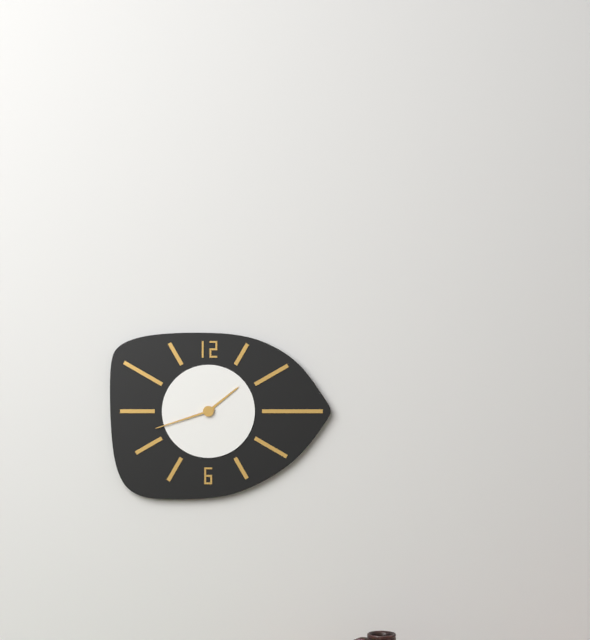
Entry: 1:42
